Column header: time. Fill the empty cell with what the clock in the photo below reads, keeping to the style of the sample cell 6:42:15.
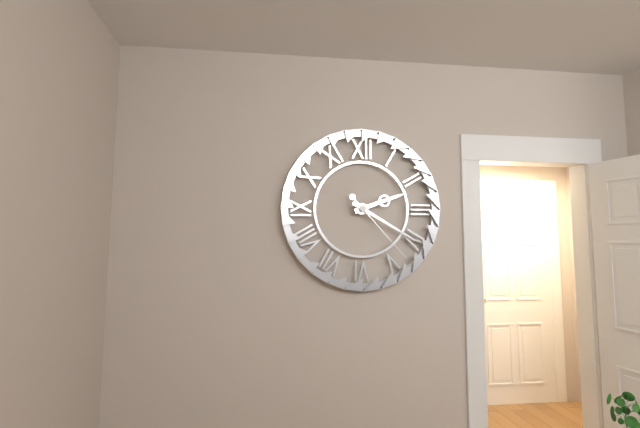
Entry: 2:20:23
